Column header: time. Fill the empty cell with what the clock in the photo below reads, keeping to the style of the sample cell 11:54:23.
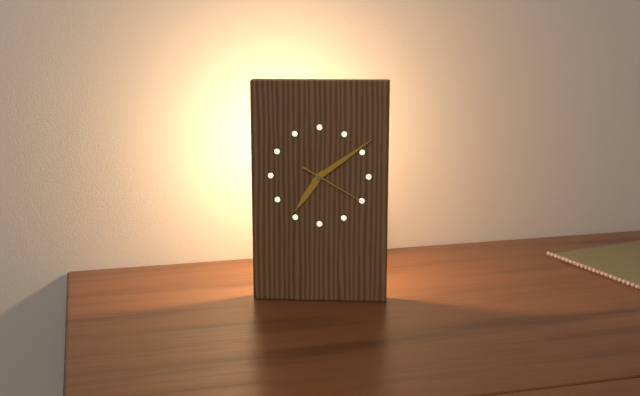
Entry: 7:09:20
